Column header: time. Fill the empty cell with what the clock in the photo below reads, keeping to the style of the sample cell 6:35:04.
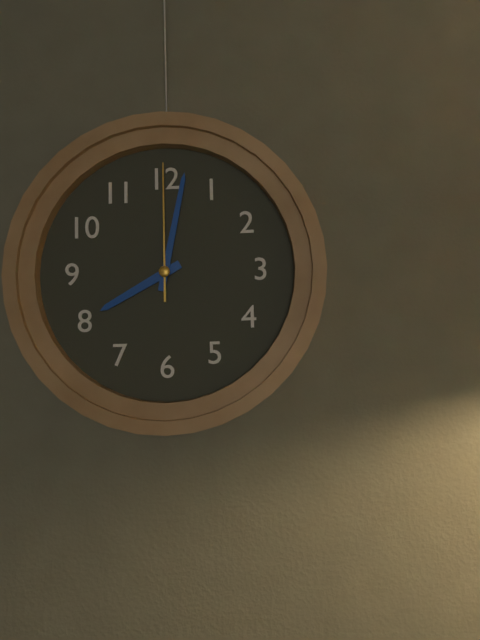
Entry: 8:02:00
